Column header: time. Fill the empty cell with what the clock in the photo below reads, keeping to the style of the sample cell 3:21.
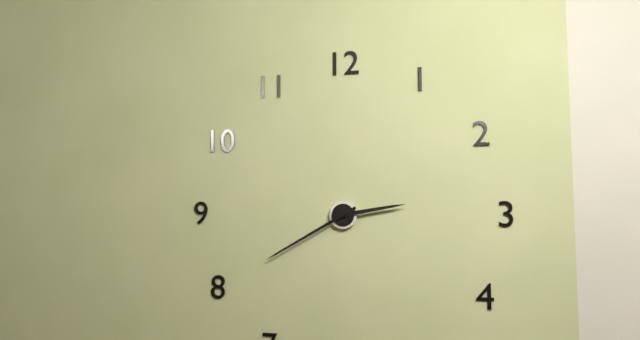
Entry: 2:40
